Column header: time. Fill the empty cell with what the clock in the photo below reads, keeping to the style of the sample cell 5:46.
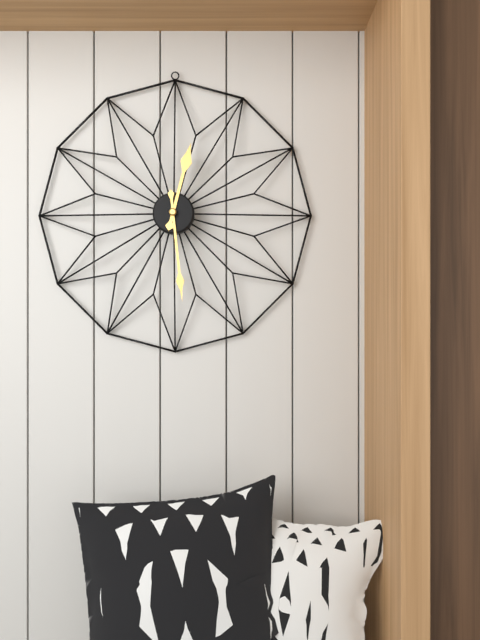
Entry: 12:29
